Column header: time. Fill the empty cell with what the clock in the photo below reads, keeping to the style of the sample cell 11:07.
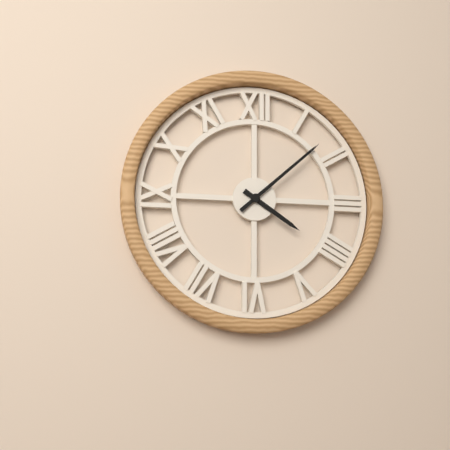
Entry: 4:08
